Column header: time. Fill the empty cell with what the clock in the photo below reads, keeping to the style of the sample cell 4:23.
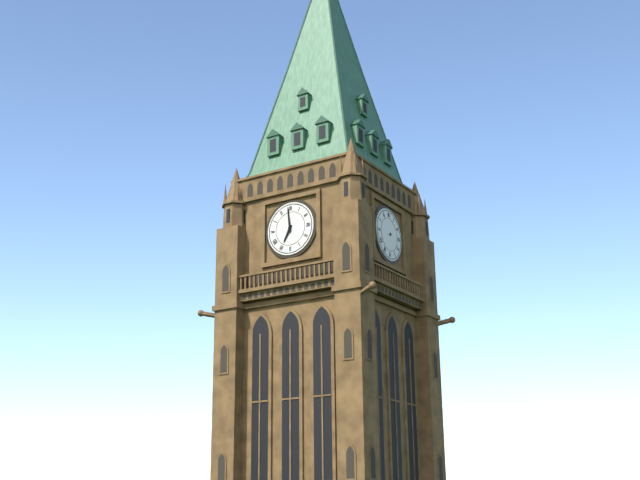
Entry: 6:59
